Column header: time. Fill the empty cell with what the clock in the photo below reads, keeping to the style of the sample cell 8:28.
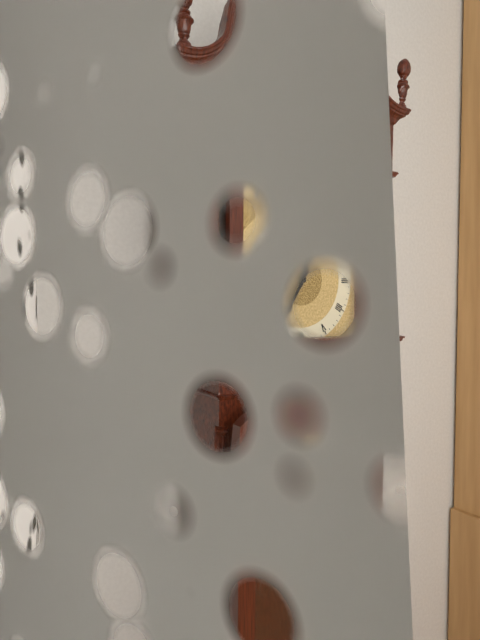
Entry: 12:35
